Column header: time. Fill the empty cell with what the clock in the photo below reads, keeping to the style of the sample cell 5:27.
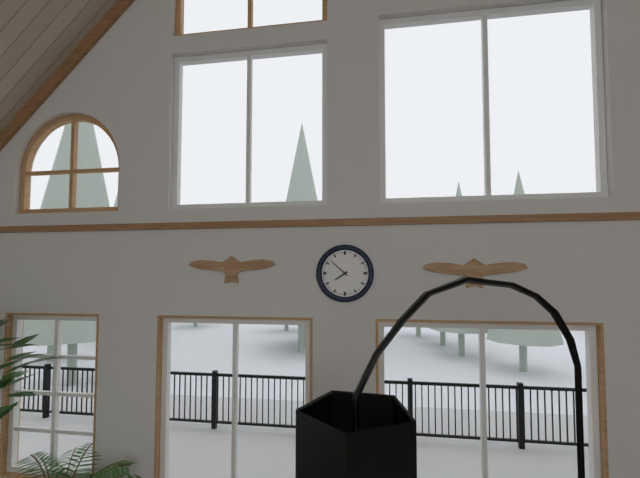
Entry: 7:52
